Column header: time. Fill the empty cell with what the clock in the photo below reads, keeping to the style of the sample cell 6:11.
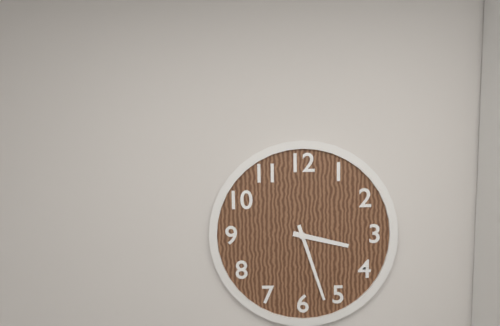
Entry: 3:27
